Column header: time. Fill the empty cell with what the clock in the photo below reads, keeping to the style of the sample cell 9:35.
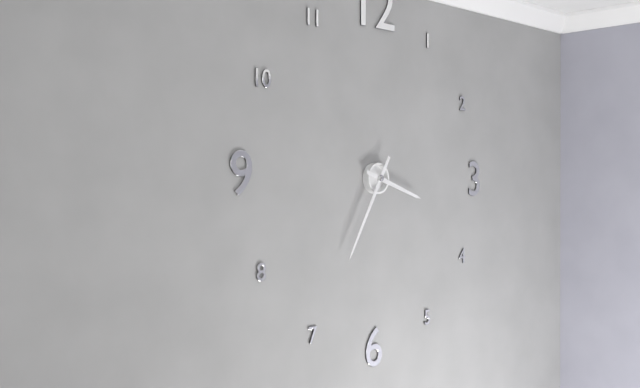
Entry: 3:35
